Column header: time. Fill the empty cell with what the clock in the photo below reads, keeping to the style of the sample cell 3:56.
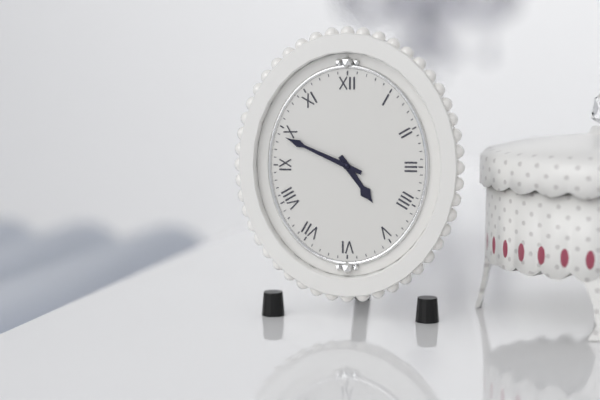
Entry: 4:49
